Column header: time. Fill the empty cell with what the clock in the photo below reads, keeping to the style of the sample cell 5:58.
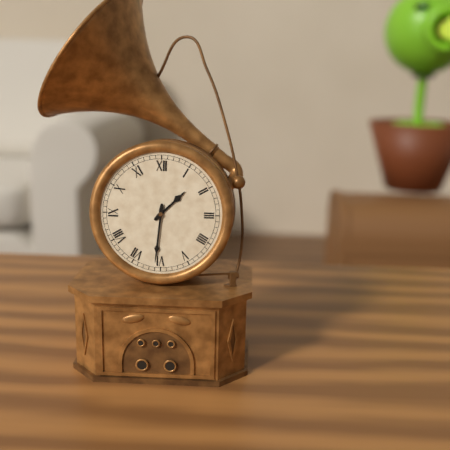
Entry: 1:31
